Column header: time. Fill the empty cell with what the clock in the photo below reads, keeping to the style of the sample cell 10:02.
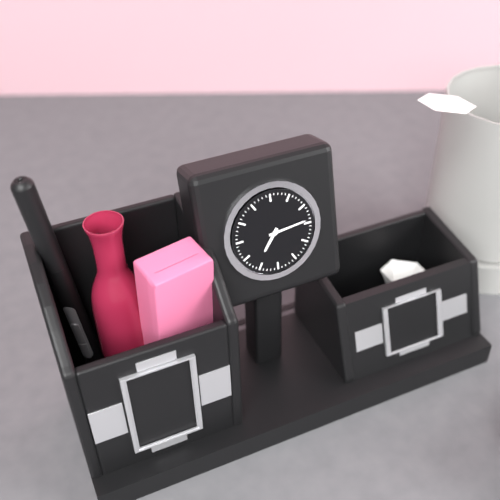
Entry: 7:14
